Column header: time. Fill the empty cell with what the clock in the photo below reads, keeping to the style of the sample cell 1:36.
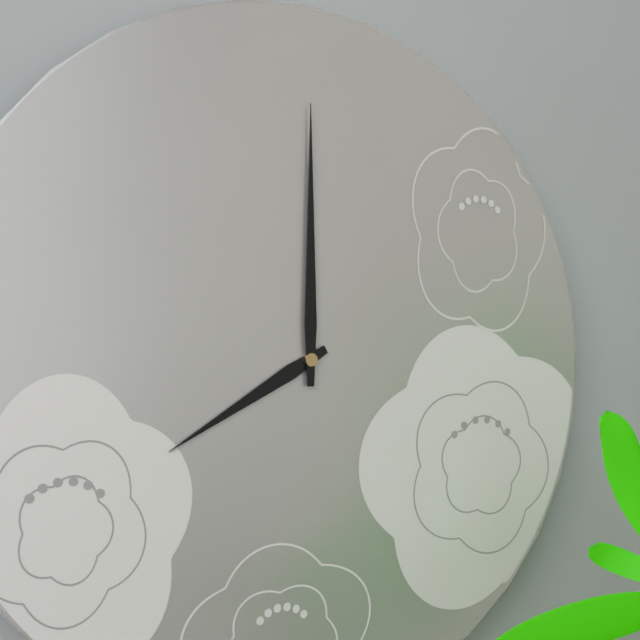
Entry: 8:00
